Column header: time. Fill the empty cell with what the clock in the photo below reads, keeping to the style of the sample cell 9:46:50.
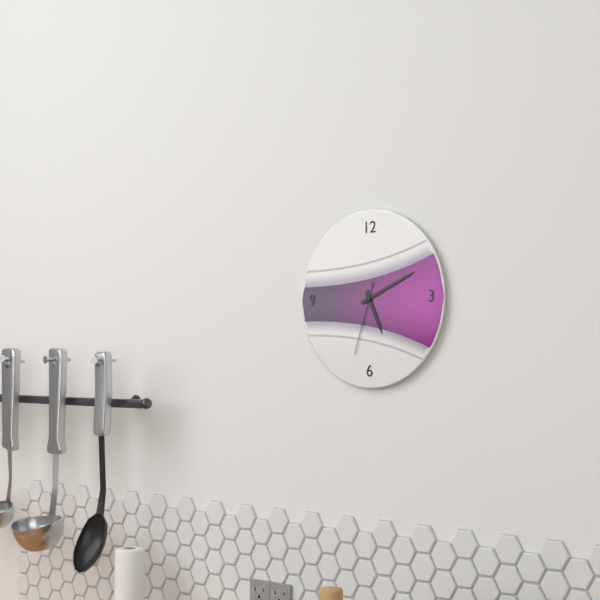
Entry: 5:11:33
